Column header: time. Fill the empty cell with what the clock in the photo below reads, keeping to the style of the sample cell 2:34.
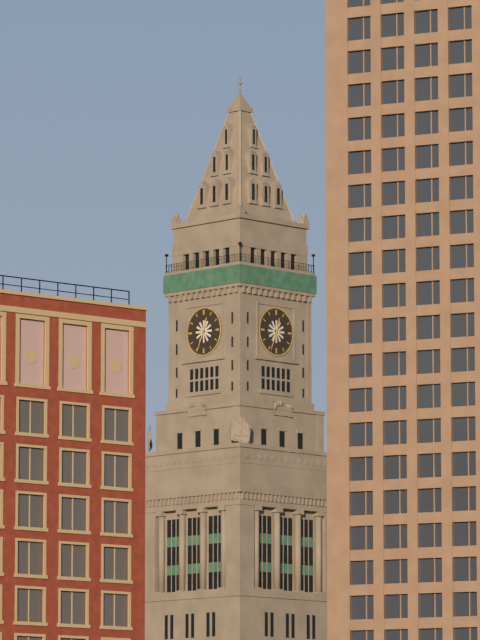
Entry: 12:34
